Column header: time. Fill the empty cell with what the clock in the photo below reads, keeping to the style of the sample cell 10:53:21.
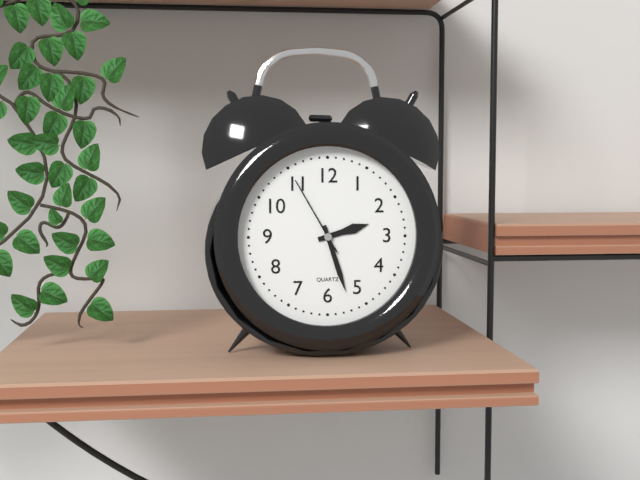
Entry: 2:27:55
